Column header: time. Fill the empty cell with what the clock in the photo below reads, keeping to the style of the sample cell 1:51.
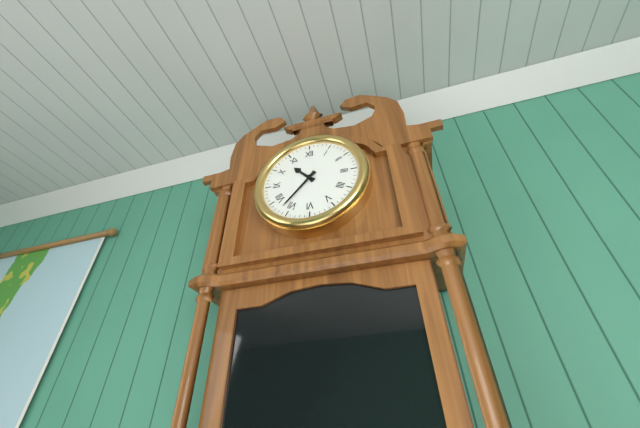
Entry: 10:37
